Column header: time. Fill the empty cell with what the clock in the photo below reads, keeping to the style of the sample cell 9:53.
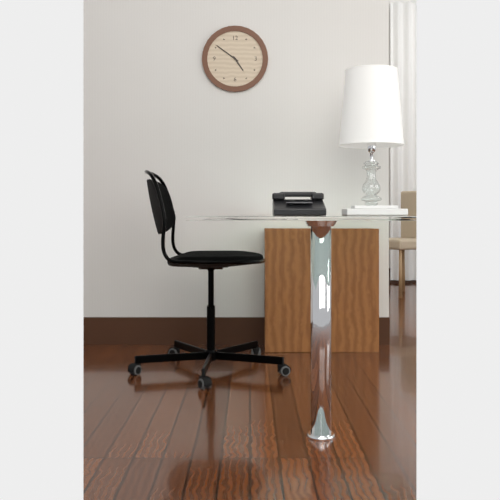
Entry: 4:51
